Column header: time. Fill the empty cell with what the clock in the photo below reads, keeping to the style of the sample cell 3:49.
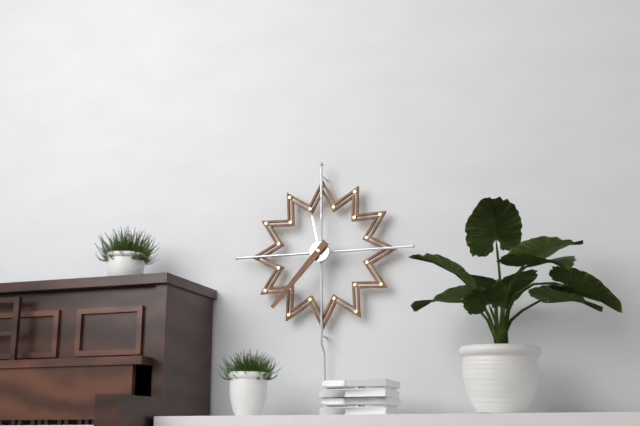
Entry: 11:37
